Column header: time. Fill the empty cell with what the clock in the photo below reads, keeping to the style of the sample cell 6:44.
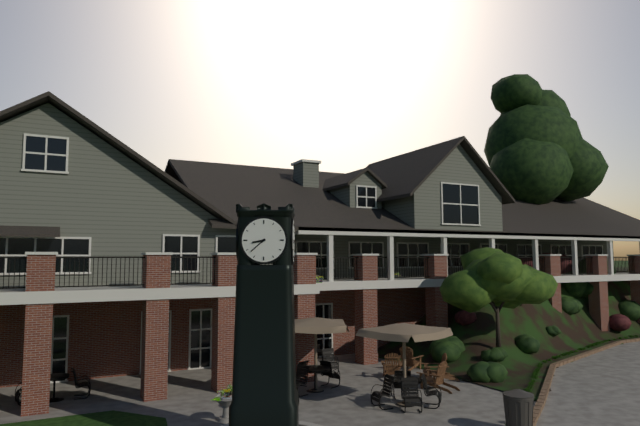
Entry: 8:38
